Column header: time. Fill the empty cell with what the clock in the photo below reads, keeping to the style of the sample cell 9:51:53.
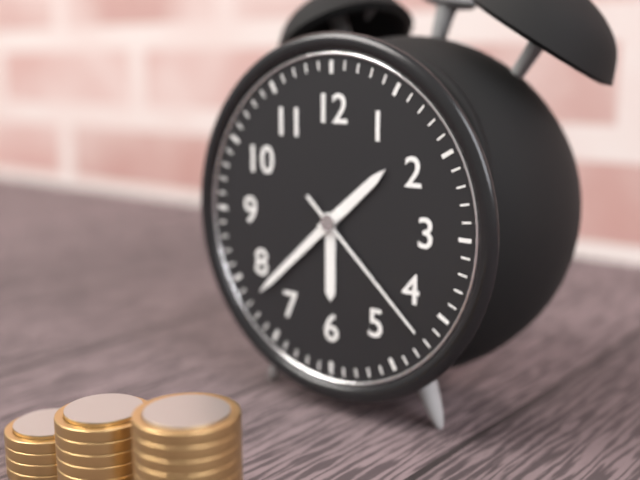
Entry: 1:38:22
